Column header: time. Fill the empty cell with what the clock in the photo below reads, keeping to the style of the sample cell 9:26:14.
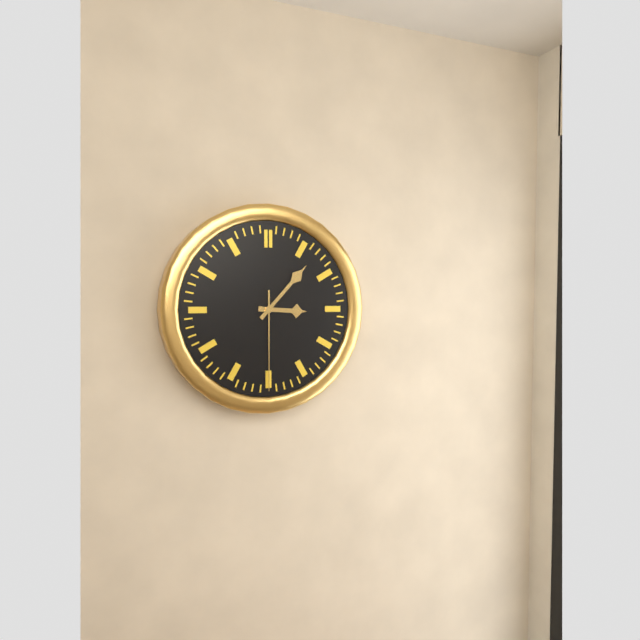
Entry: 3:07:30
